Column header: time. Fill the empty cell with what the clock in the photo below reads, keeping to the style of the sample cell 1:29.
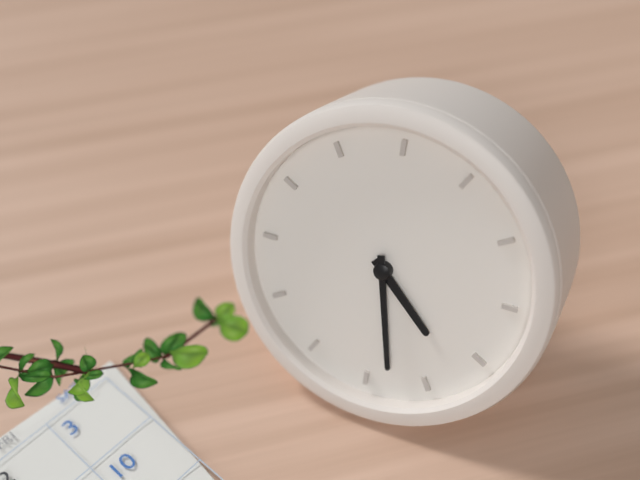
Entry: 4:28
